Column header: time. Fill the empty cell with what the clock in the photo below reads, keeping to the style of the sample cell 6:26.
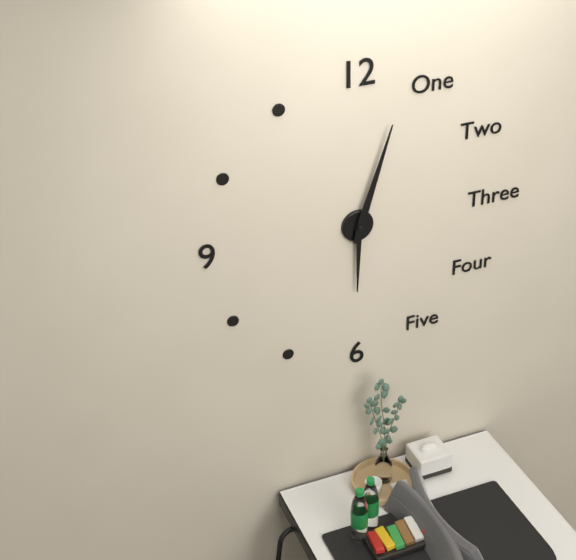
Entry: 6:03
